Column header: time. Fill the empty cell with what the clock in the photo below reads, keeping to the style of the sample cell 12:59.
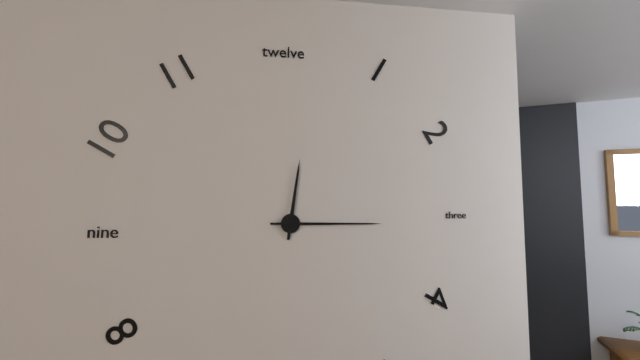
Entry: 12:15
